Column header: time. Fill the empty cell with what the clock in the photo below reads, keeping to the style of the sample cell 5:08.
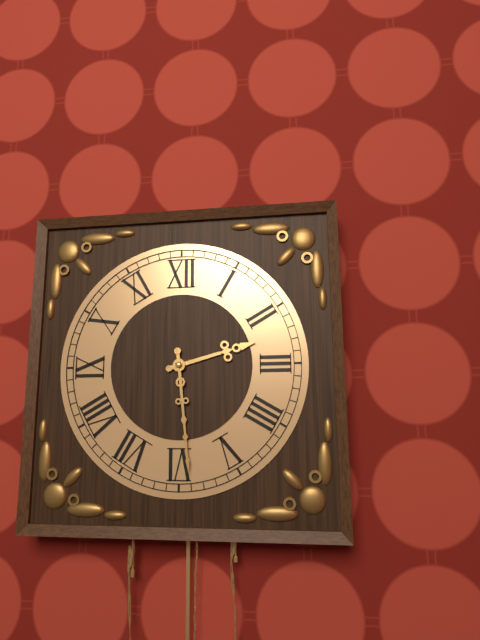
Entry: 2:29
